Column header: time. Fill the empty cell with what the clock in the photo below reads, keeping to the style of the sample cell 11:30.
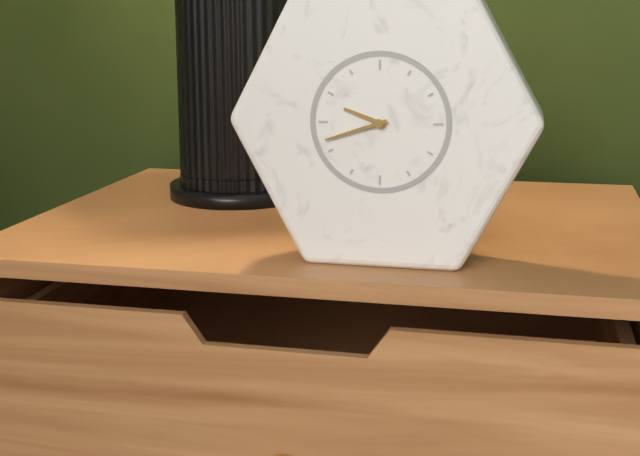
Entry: 9:42
